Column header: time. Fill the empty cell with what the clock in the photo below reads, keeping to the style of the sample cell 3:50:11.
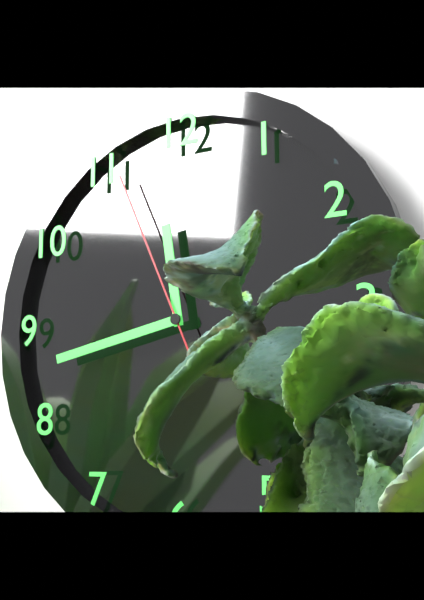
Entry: 11:43:56
